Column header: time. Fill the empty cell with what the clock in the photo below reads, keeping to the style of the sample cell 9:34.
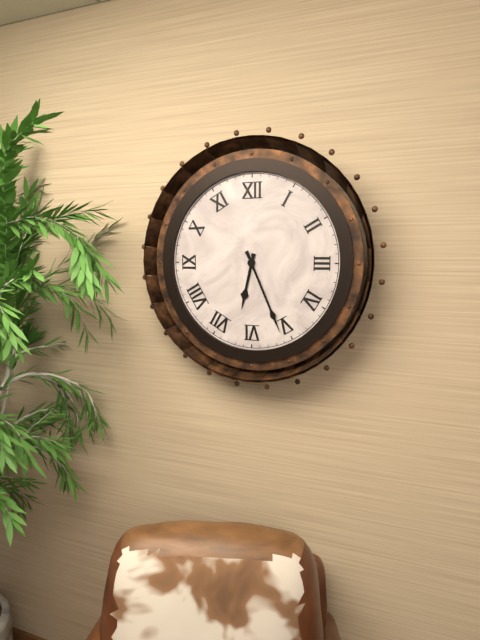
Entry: 6:26
